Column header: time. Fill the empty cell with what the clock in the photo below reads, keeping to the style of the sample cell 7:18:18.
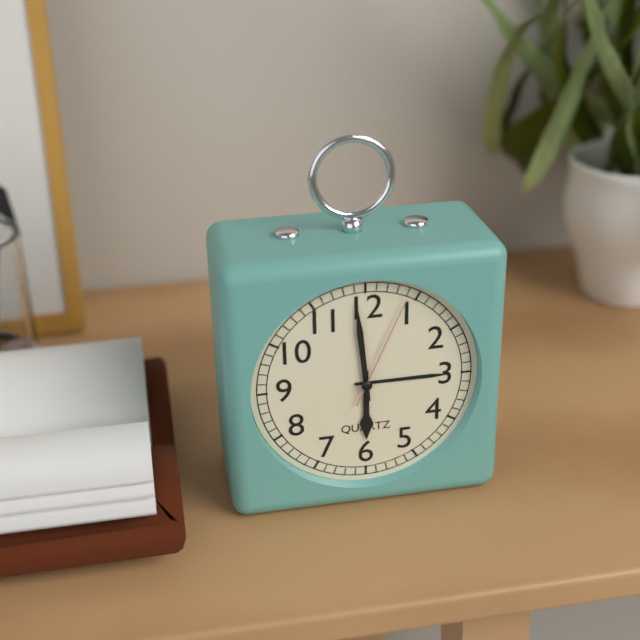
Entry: 5:59:04
